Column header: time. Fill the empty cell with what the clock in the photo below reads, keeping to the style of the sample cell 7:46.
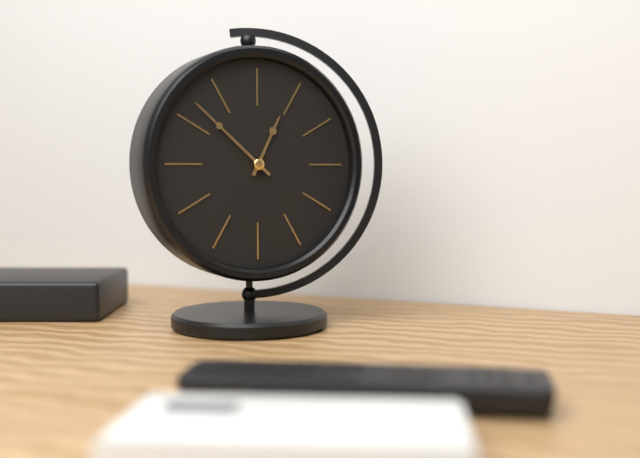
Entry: 12:52
